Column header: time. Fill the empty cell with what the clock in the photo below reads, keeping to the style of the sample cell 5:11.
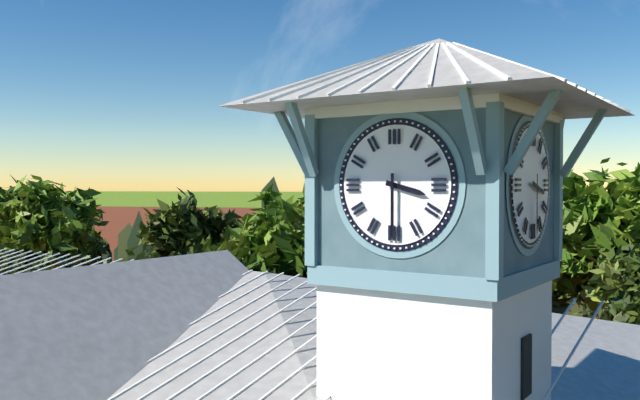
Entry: 3:30
